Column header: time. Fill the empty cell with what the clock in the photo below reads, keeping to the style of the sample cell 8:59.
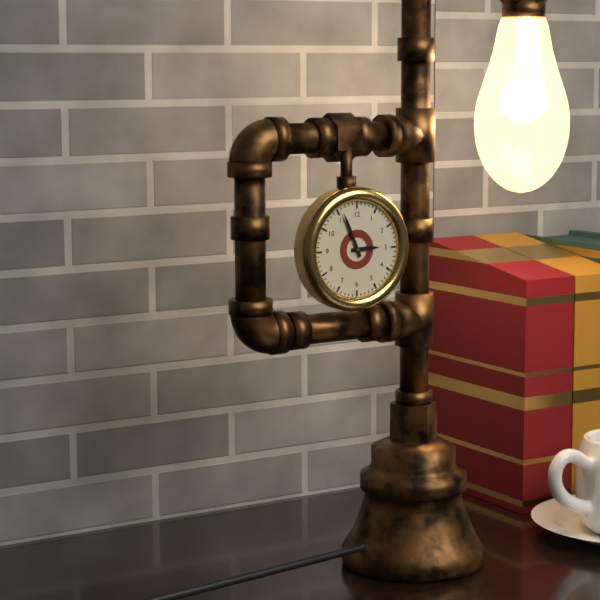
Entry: 2:56
